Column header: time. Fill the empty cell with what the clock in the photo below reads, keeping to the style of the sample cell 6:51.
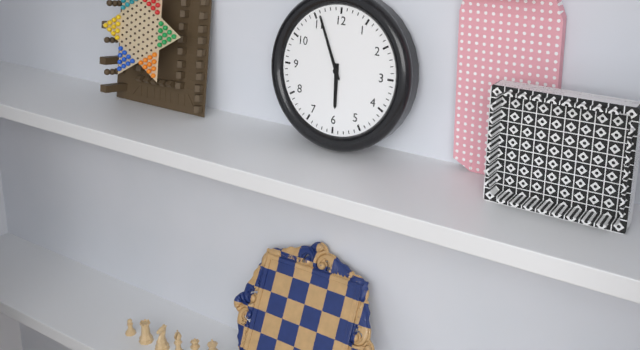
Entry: 5:56
